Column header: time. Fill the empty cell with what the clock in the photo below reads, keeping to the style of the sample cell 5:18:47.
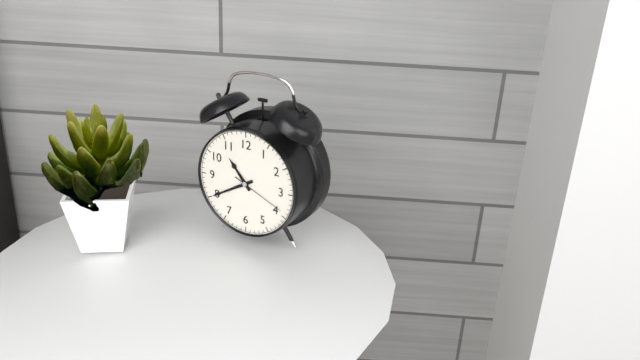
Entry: 10:40:19
